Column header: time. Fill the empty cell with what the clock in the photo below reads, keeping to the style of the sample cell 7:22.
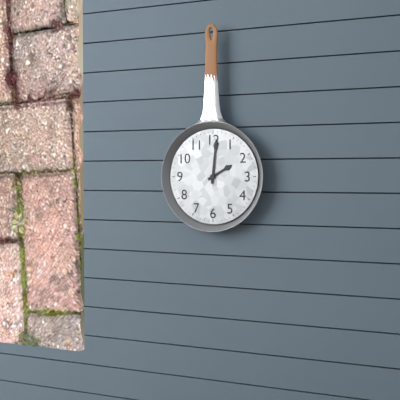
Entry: 2:01
